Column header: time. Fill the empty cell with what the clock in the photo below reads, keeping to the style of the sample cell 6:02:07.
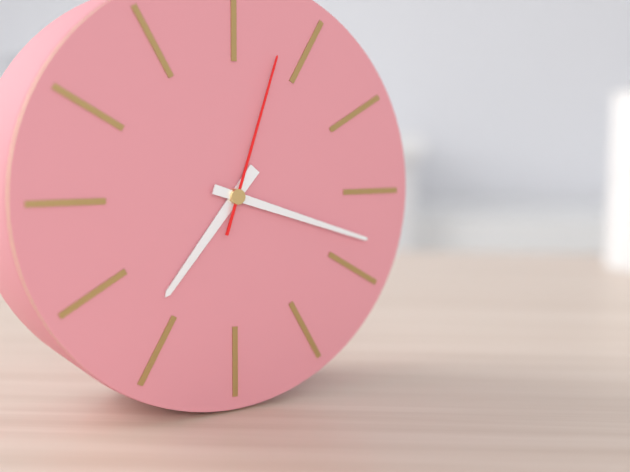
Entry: 7:18:03
